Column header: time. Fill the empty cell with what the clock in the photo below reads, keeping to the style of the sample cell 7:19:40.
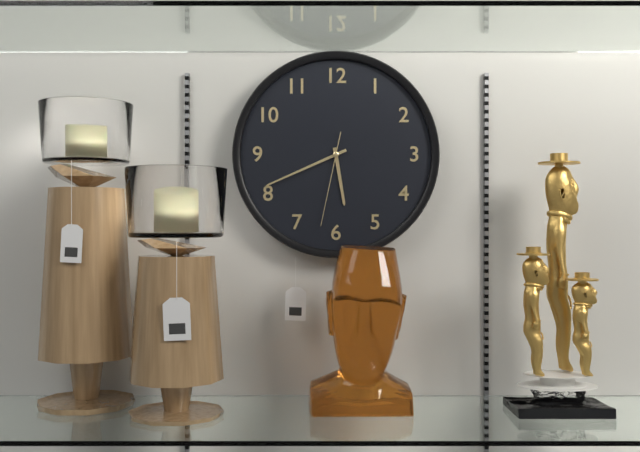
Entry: 5:41:32
